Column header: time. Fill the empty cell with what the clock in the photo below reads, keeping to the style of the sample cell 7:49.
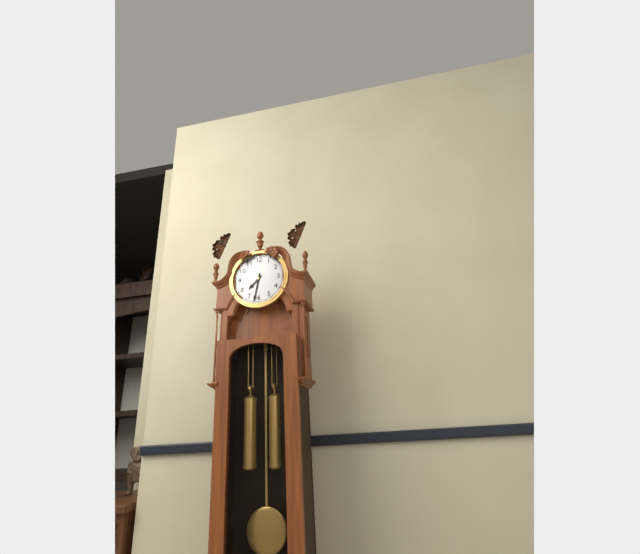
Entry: 7:32
